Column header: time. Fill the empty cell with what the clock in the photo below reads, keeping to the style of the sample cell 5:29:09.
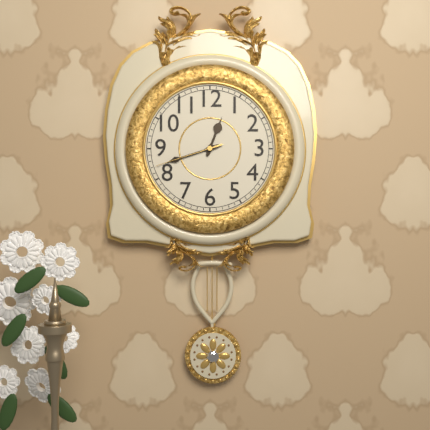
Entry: 12:42:42
